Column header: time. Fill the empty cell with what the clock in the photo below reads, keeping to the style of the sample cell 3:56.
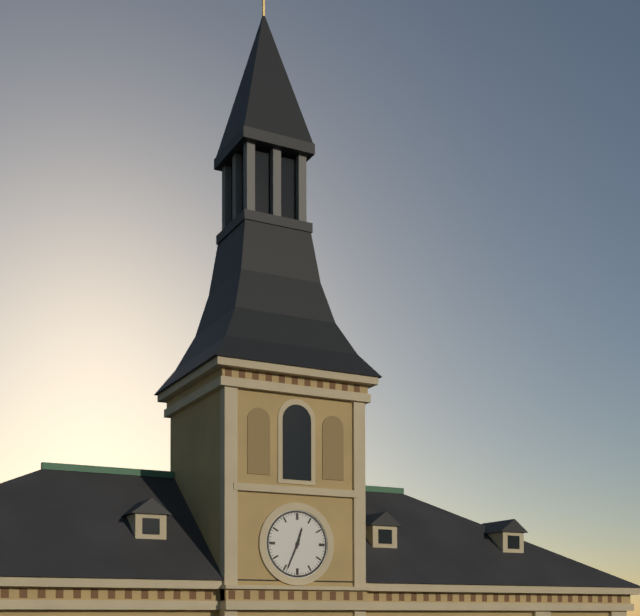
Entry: 12:34
